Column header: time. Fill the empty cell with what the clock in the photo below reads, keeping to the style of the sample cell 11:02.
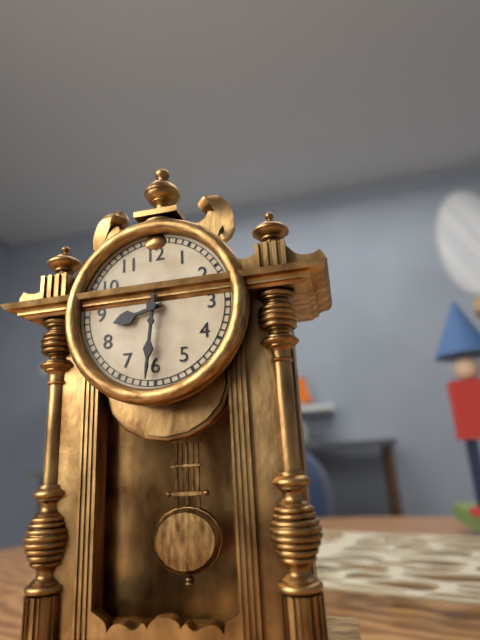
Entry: 8:31
